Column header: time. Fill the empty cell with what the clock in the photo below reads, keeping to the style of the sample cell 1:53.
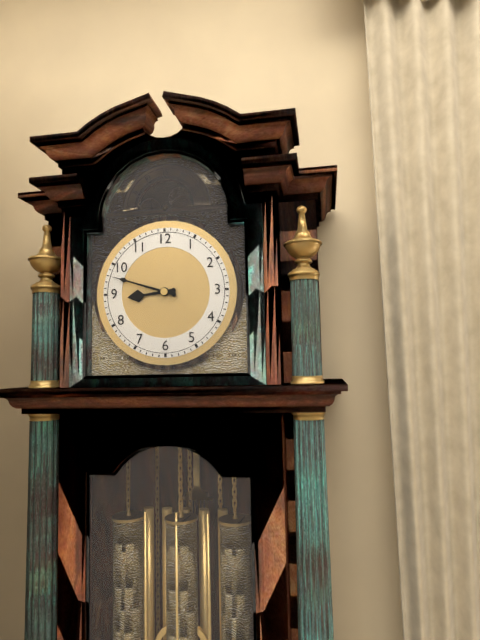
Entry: 8:48
